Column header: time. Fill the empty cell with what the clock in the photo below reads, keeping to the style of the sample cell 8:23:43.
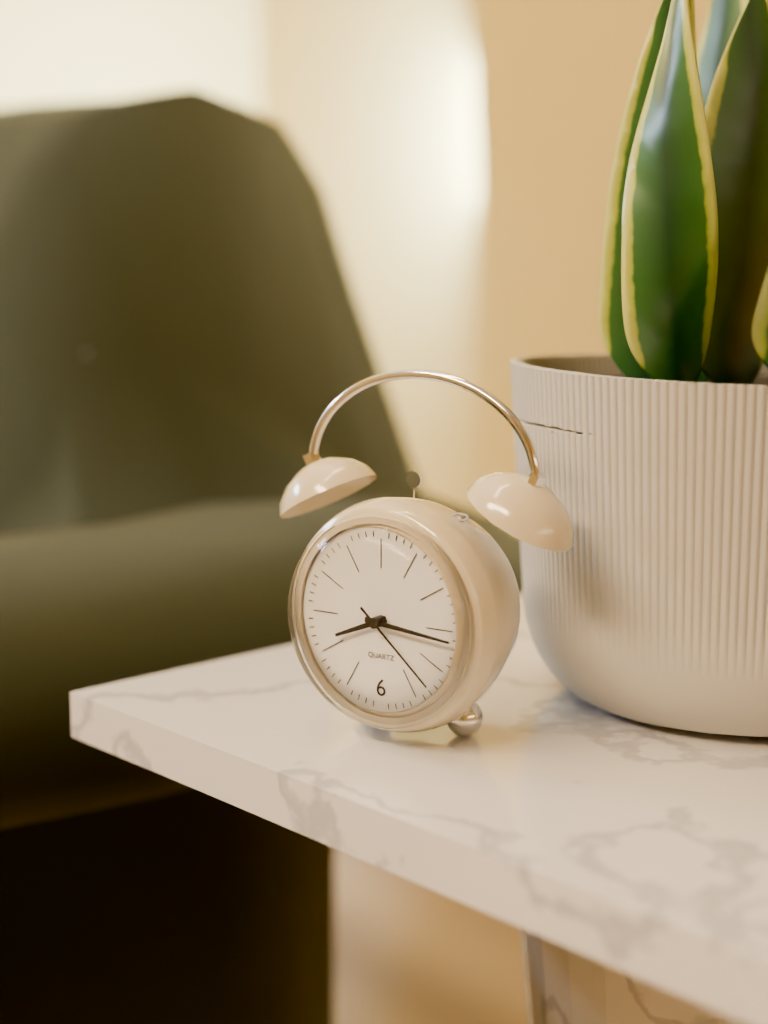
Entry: 8:16:22
